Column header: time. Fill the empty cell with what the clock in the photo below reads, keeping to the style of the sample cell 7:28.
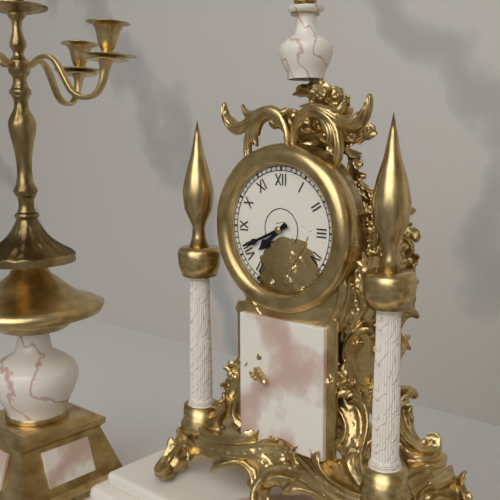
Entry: 7:41
